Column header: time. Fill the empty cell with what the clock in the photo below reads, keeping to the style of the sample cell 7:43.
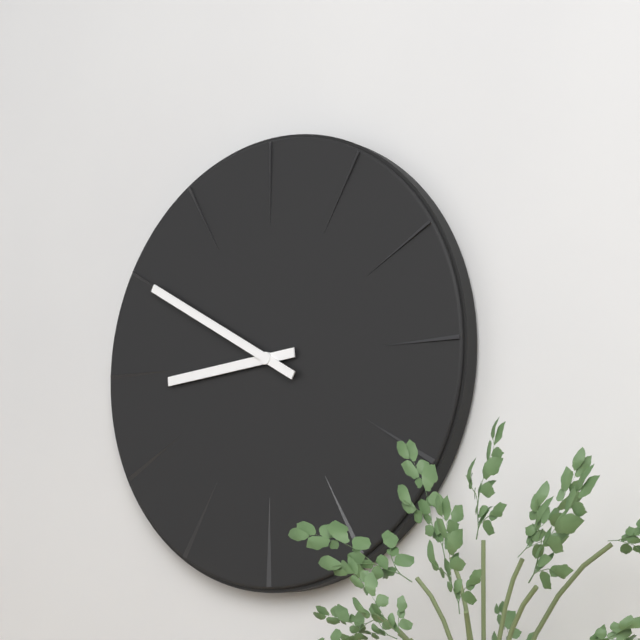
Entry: 8:50
